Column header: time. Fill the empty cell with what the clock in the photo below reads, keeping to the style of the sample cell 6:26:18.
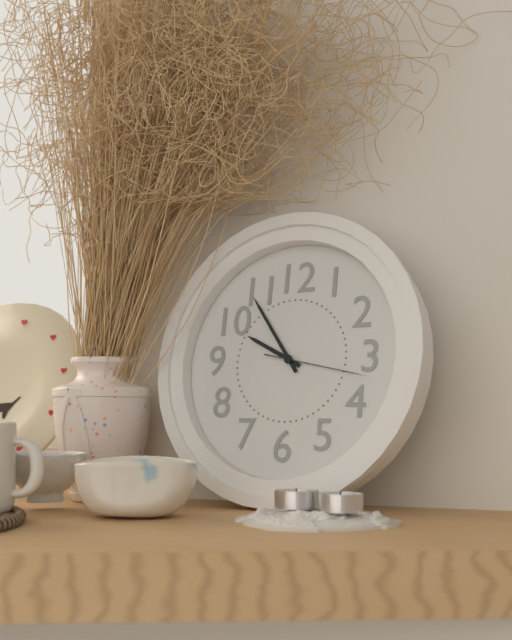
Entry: 9:54:17
